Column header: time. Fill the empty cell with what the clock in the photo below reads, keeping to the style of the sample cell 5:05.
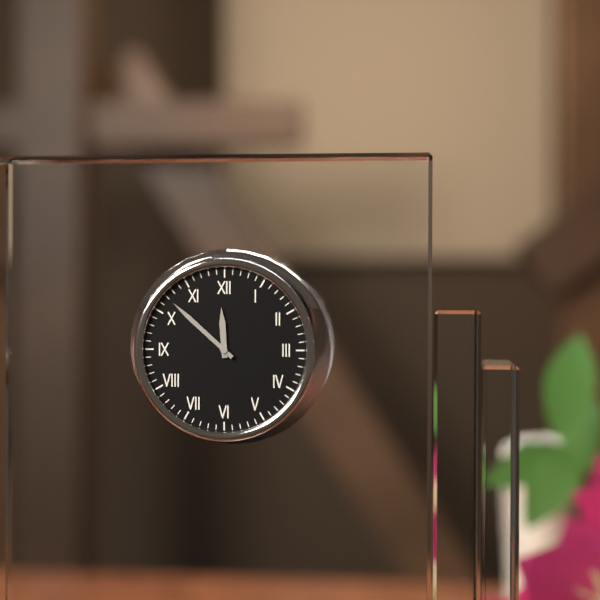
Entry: 11:52
